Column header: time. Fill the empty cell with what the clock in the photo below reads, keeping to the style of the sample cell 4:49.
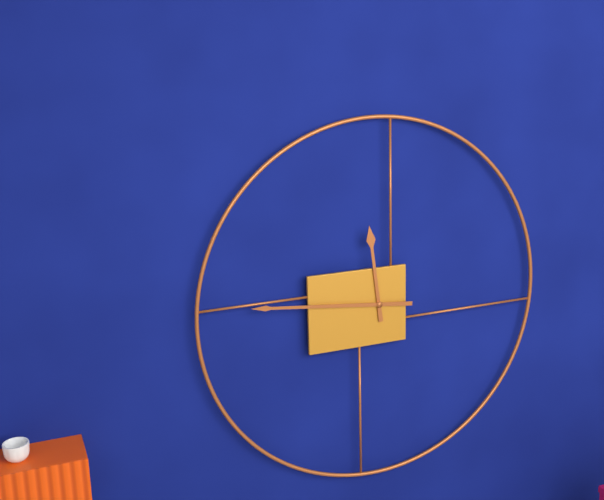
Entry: 11:46
